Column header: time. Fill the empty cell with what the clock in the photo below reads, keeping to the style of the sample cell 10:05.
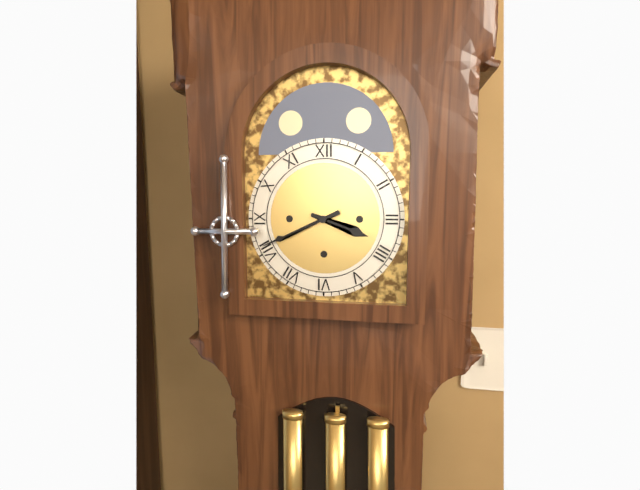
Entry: 3:41
